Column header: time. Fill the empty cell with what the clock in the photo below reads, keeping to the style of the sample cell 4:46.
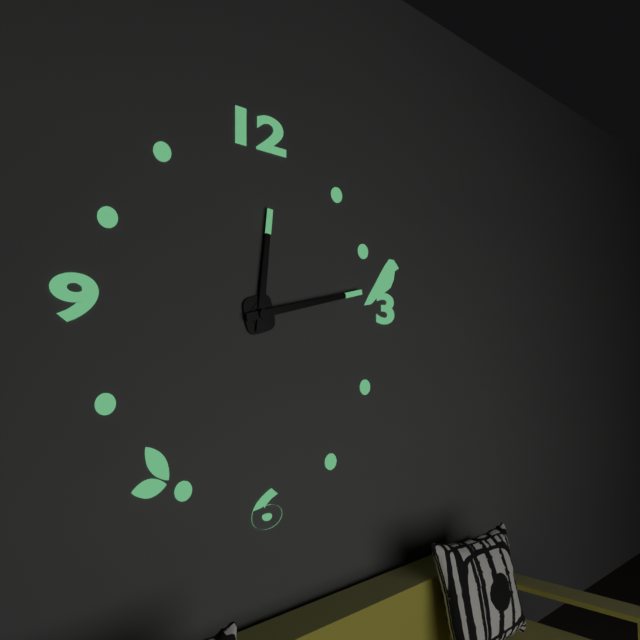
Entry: 12:13
